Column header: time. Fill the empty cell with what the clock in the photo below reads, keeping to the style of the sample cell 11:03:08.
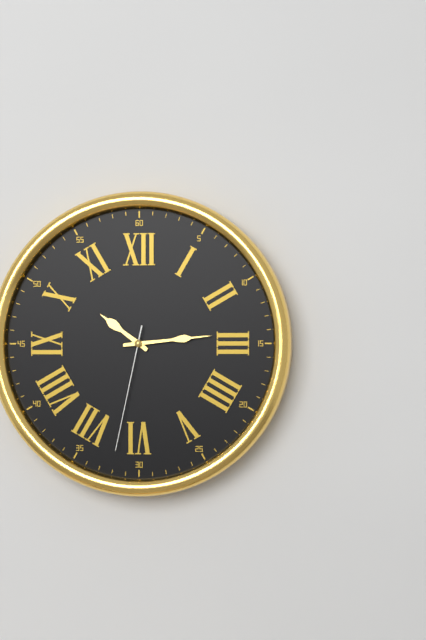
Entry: 10:14:32
